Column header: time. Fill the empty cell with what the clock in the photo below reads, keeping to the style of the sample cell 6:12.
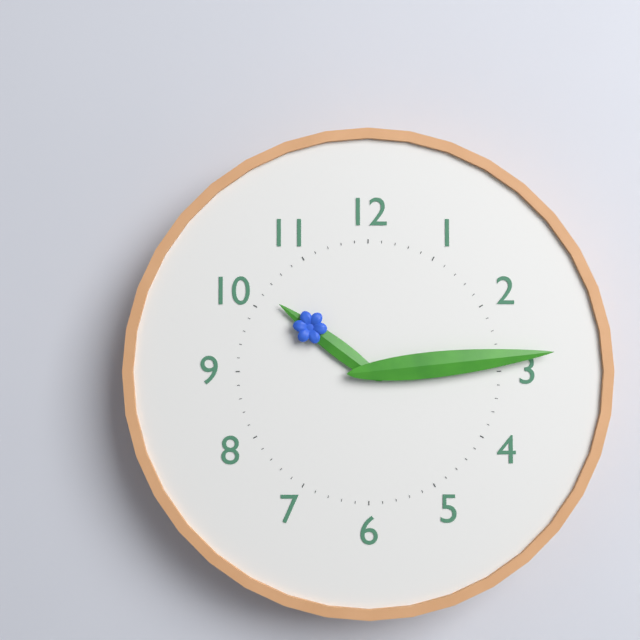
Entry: 10:14
